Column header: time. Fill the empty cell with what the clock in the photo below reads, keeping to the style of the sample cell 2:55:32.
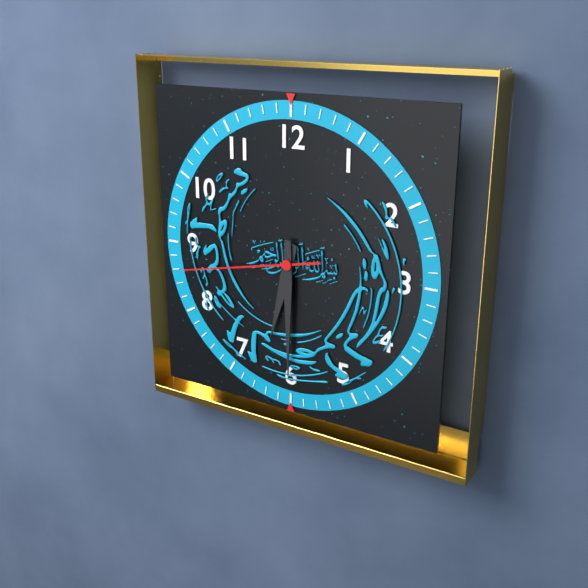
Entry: 6:30:43
